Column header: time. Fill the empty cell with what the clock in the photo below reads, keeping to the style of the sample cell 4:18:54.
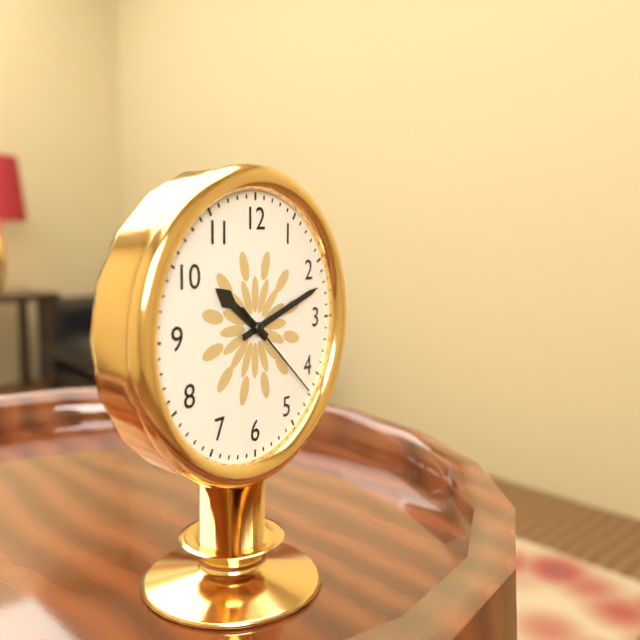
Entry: 10:12:22
